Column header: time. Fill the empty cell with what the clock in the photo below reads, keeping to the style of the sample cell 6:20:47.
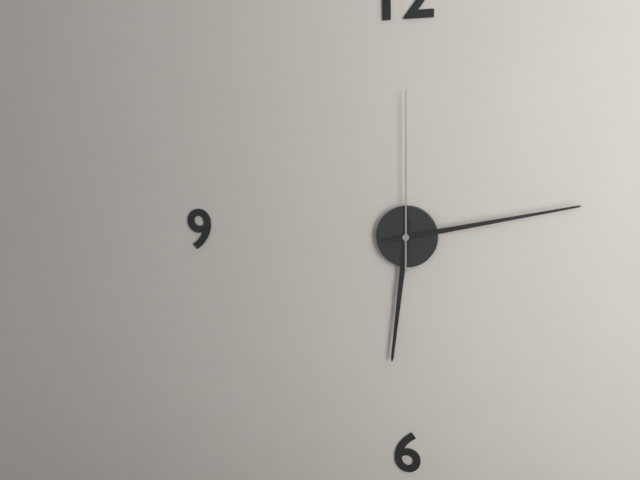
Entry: 6:13:00
